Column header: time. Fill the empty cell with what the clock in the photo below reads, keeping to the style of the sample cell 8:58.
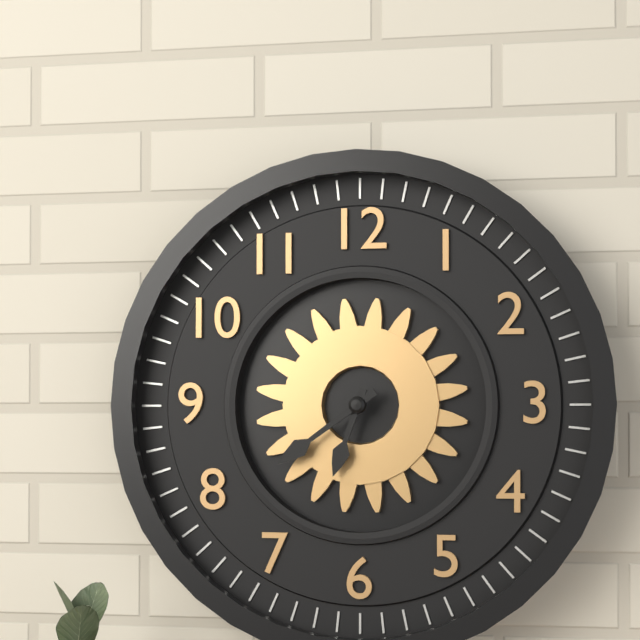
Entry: 6:39
